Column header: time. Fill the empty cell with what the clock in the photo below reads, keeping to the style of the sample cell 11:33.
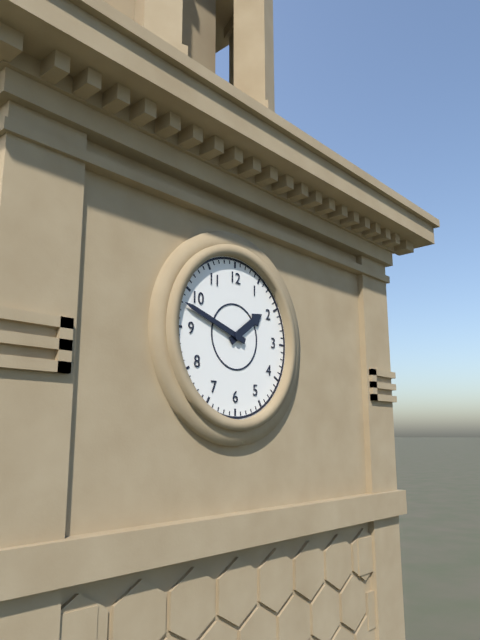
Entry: 1:48
